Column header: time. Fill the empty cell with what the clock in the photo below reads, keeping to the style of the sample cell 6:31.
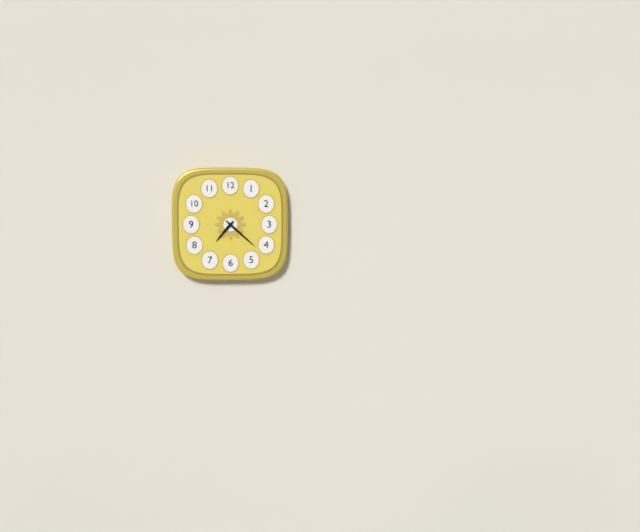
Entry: 7:22
